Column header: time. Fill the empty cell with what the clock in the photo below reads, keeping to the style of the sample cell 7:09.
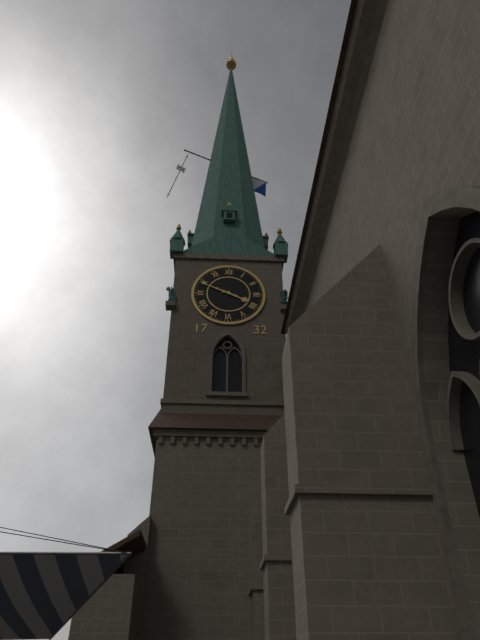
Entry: 3:49
